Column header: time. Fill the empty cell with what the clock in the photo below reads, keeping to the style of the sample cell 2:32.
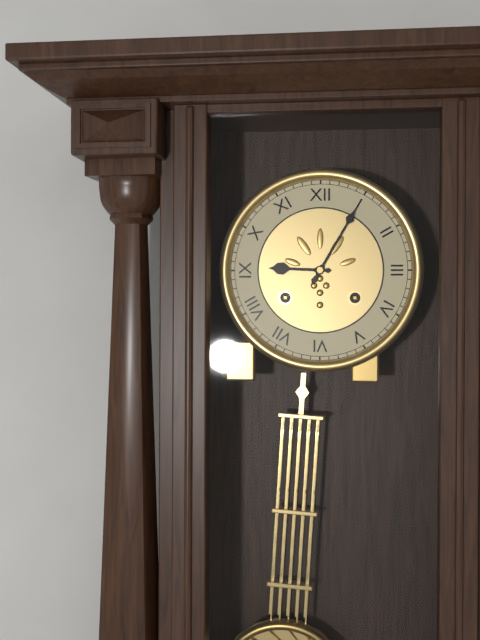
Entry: 9:05
